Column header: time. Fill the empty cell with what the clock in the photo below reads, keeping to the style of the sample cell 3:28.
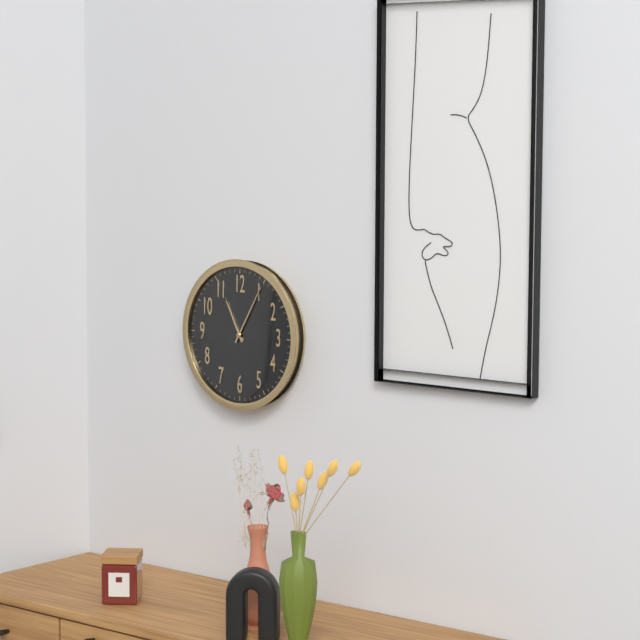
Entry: 11:05
